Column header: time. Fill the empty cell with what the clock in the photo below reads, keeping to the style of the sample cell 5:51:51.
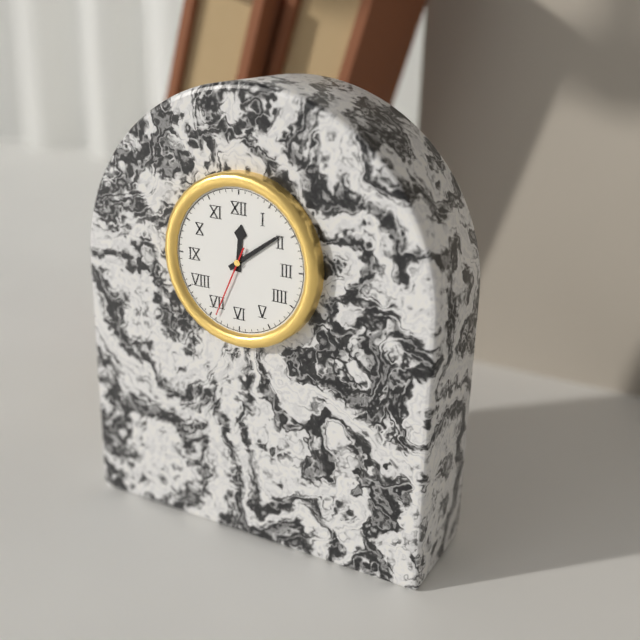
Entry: 12:09:34
